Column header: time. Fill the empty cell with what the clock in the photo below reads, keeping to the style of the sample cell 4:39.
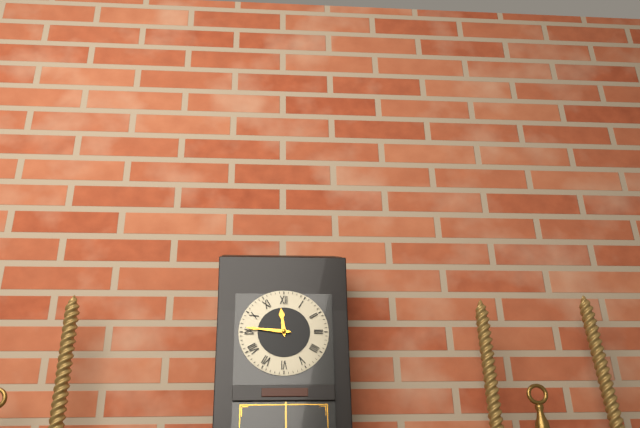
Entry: 11:46
